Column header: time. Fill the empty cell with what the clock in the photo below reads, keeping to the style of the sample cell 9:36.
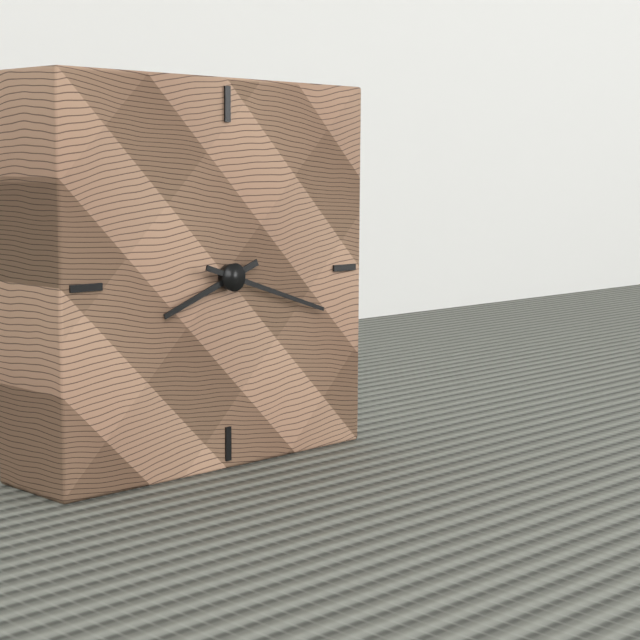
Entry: 8:18
